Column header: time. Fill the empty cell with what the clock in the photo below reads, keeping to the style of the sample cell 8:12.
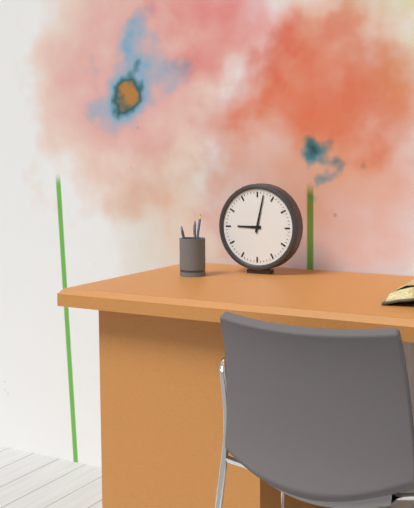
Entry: 9:02
